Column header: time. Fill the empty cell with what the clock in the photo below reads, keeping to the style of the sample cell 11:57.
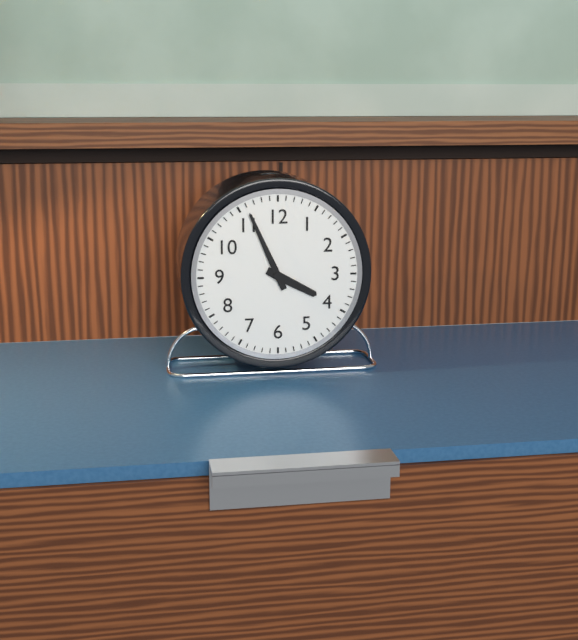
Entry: 3:56
